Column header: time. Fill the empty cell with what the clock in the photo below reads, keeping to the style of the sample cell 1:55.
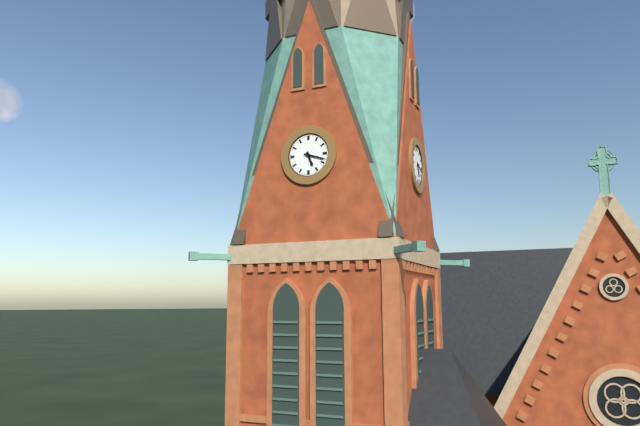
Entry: 5:18
